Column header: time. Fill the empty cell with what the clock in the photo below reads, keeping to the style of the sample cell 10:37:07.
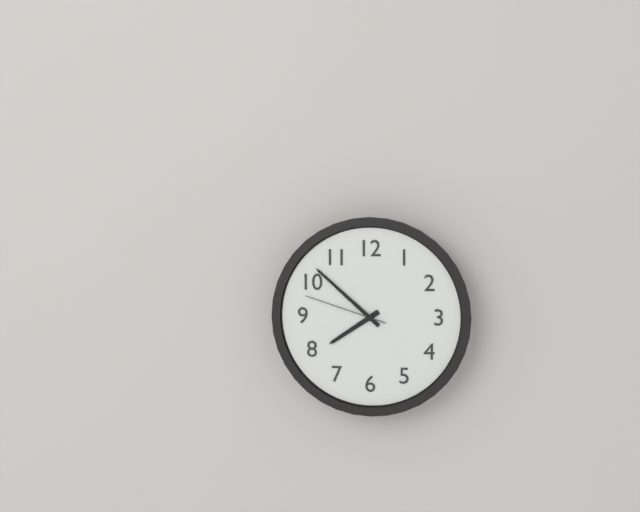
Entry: 7:52:48
